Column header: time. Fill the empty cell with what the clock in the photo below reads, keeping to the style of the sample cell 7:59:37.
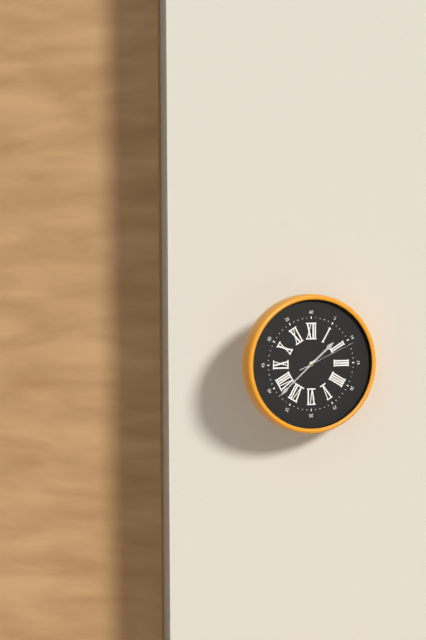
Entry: 1:38:11
